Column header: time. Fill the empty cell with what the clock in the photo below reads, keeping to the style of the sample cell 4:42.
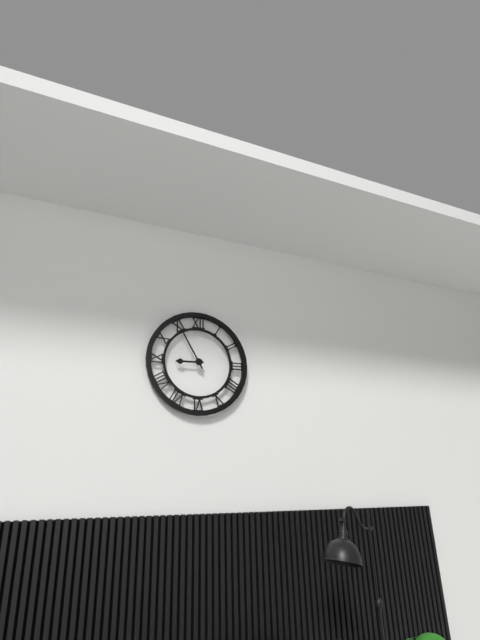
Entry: 8:55
